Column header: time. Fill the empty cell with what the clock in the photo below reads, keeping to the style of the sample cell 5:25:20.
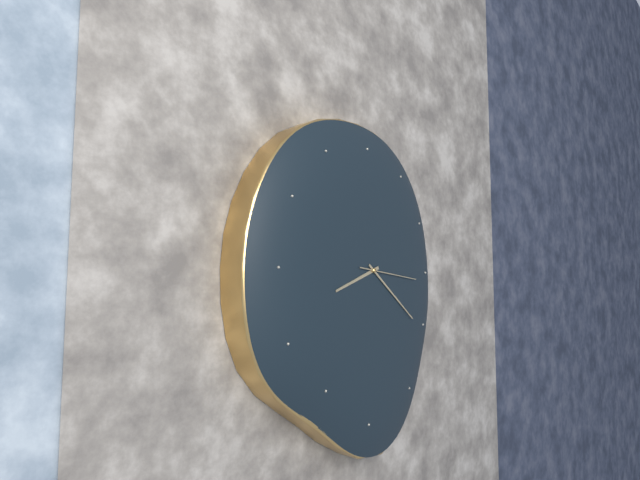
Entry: 8:21:16
